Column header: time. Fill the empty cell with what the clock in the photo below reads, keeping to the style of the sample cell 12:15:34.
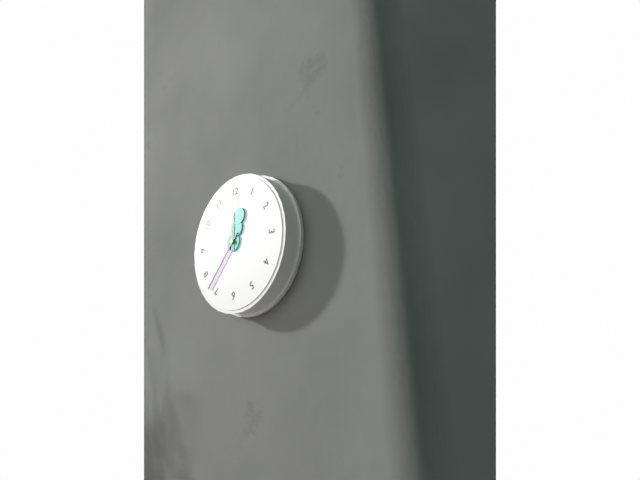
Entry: 12:37:00
